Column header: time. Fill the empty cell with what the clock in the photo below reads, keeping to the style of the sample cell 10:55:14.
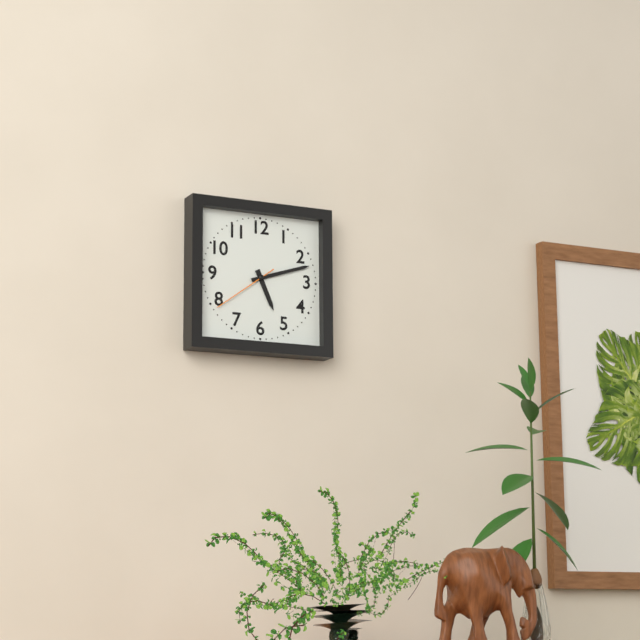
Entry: 5:12:39
